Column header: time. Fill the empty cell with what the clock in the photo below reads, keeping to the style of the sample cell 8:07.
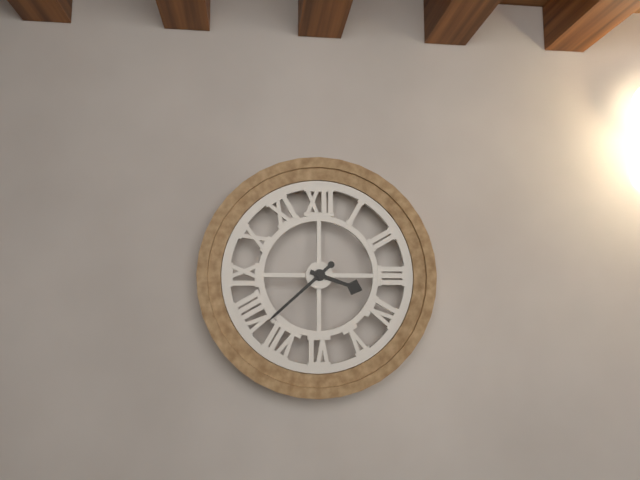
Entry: 3:38
